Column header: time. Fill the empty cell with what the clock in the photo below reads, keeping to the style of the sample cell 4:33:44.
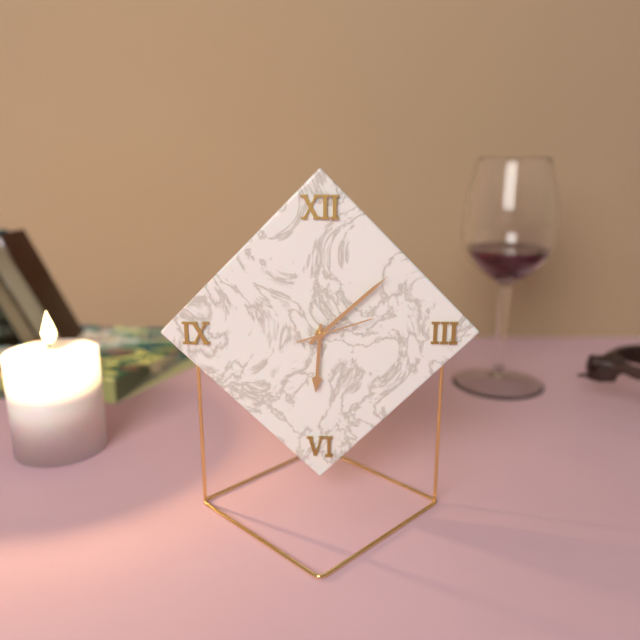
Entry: 6:08:12
